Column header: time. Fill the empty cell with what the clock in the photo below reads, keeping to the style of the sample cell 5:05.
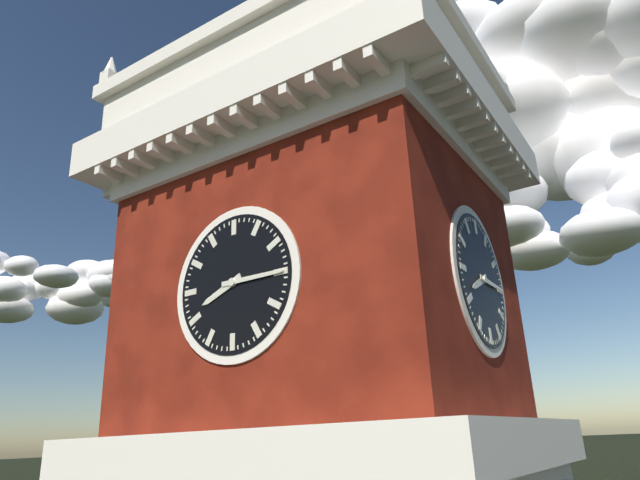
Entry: 8:15
